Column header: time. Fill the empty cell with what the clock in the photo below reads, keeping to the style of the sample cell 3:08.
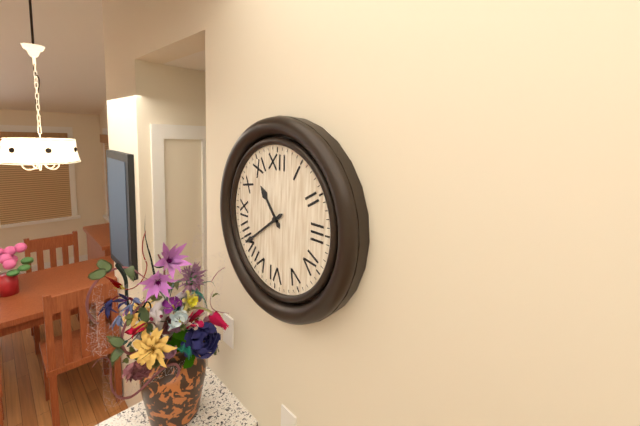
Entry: 10:39
